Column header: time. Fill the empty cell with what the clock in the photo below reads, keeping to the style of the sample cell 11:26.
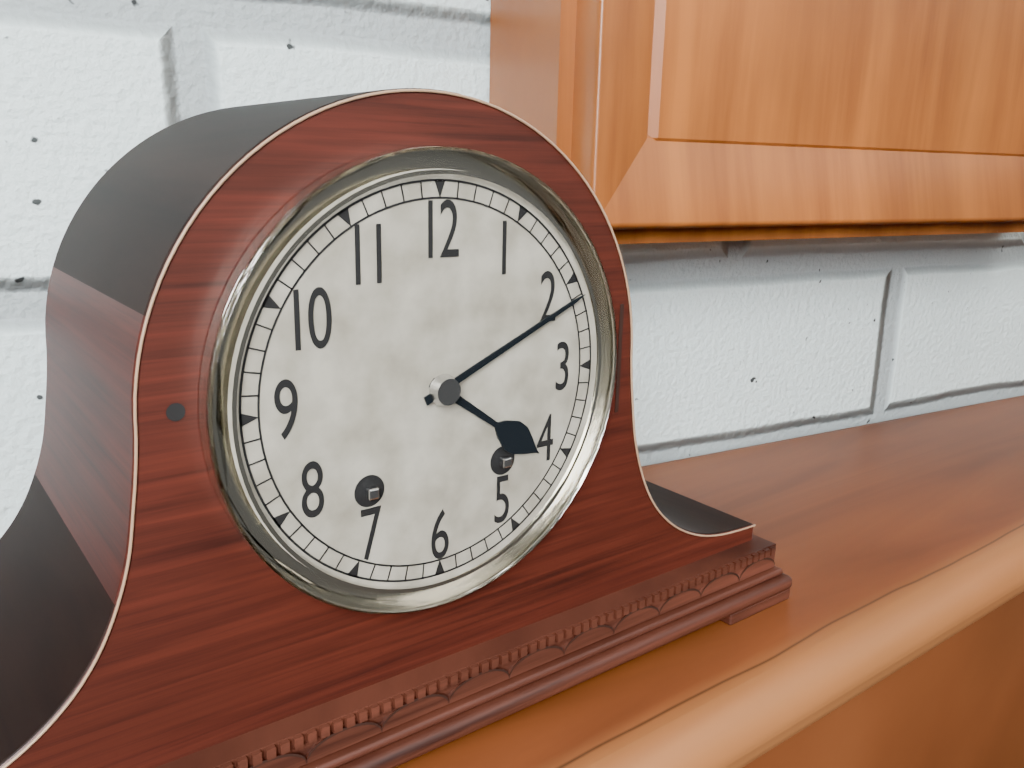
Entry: 4:11
